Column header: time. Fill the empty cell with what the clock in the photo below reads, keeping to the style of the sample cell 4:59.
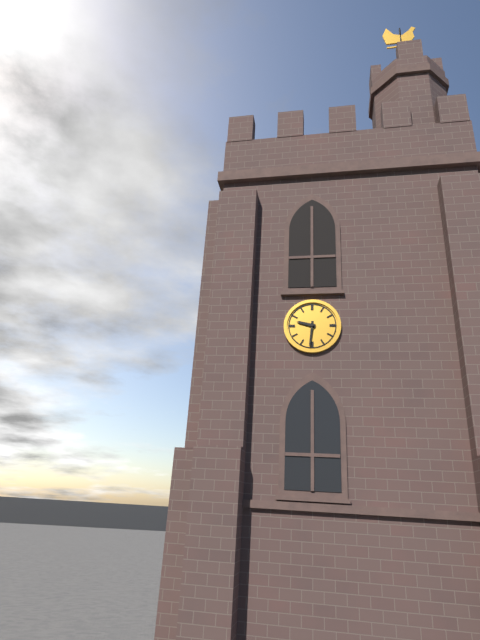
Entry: 9:31
